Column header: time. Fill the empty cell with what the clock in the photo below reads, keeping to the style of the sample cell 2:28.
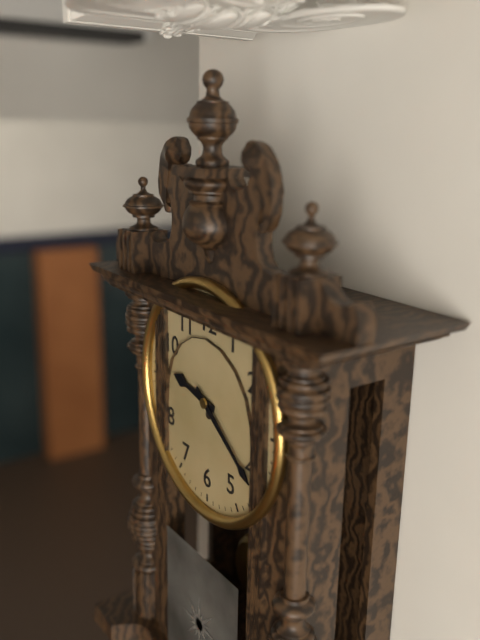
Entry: 9:21
